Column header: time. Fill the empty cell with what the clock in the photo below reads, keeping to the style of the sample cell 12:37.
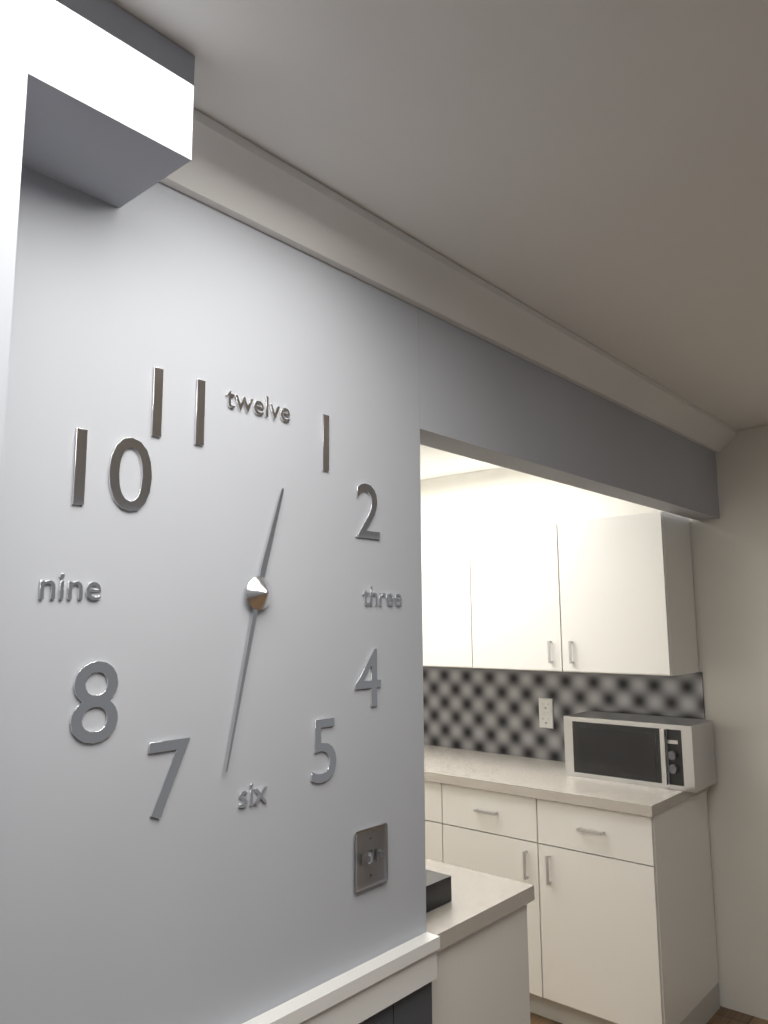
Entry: 12:32
